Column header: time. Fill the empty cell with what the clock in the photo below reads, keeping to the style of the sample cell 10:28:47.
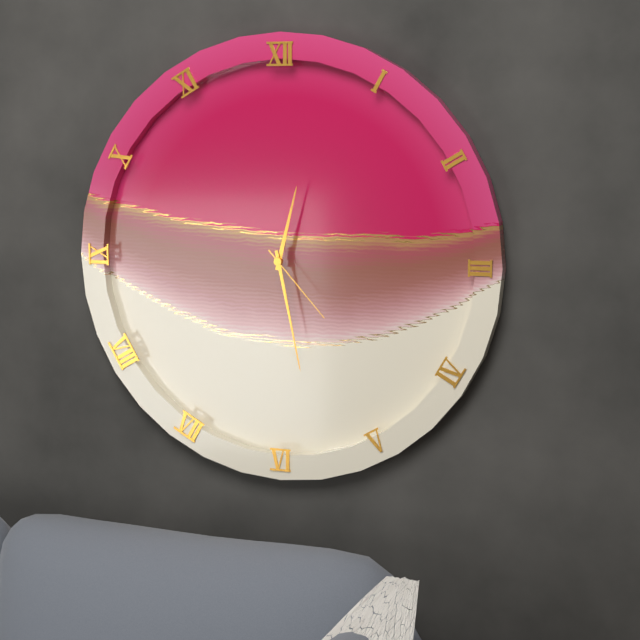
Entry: 12:28:23
